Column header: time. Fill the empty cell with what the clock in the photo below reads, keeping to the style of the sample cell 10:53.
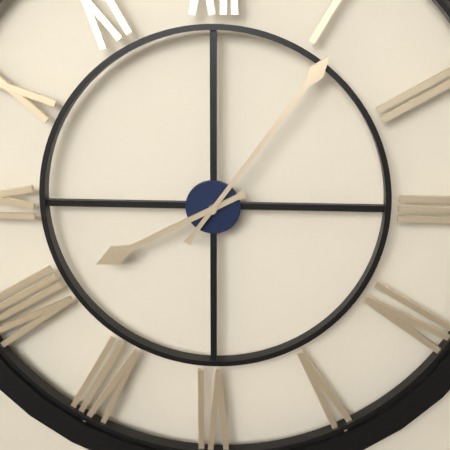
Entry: 8:06
